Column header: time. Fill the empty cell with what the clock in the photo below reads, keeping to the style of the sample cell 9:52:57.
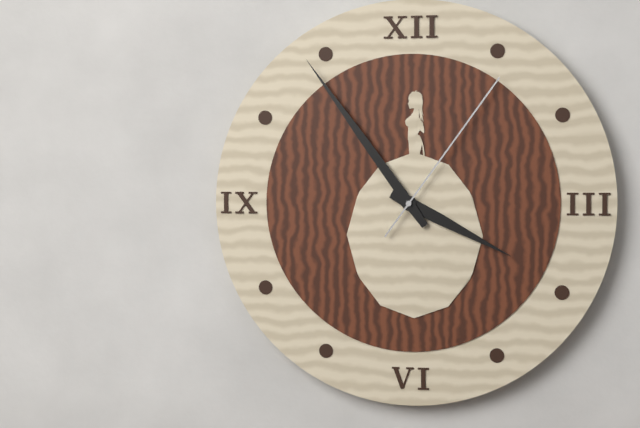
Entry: 3:54:06
